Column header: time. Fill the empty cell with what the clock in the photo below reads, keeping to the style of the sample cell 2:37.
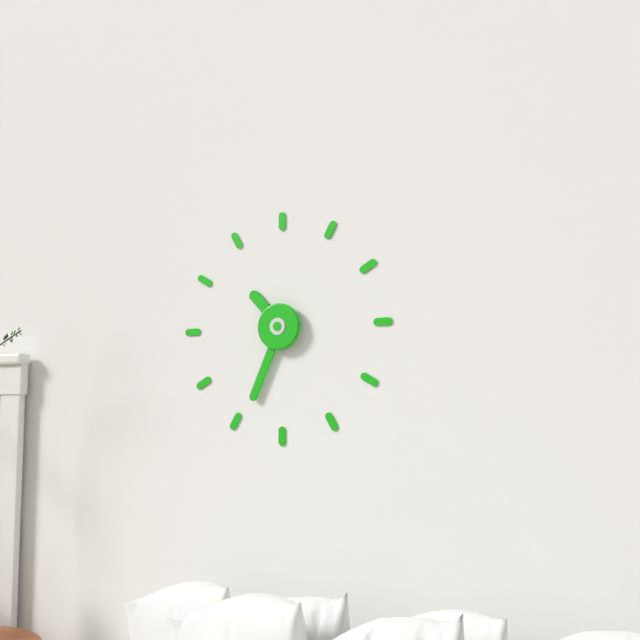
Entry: 10:34
